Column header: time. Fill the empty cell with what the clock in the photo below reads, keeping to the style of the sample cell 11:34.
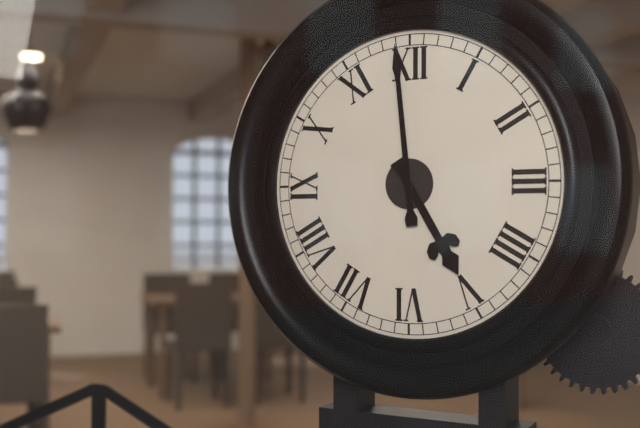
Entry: 4:59
